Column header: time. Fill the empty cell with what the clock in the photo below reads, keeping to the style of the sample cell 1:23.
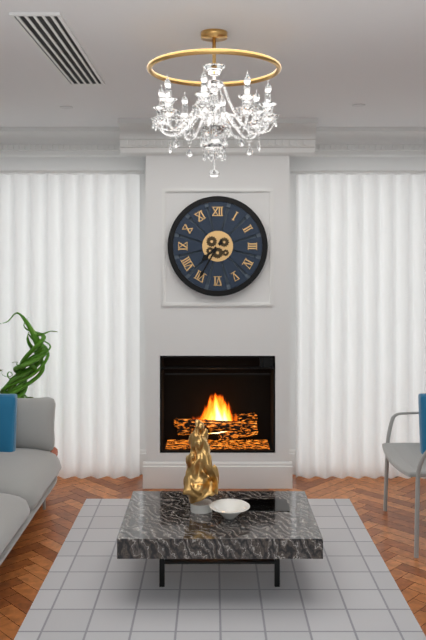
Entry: 7:35
